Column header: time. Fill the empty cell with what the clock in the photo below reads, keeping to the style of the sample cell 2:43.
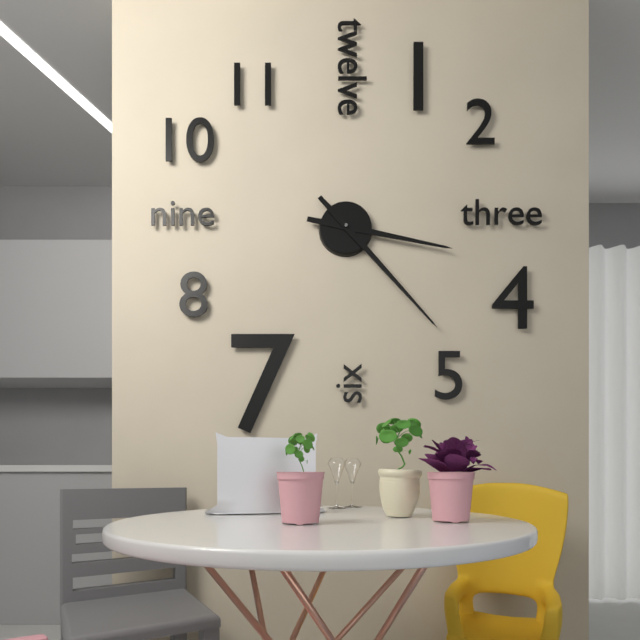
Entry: 3:23
